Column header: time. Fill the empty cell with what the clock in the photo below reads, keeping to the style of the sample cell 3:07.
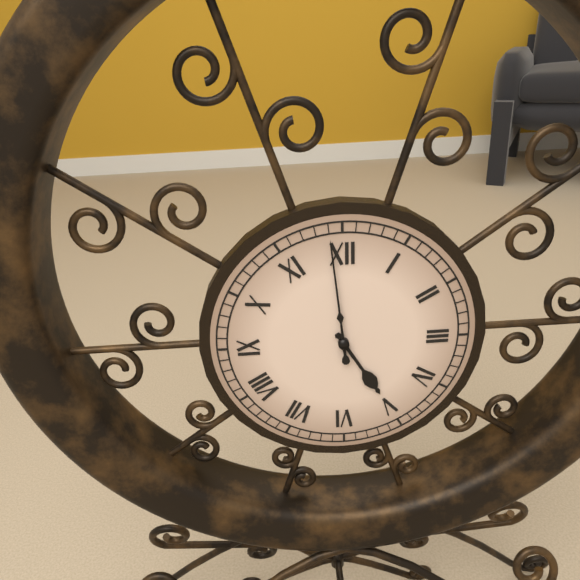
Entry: 4:59
